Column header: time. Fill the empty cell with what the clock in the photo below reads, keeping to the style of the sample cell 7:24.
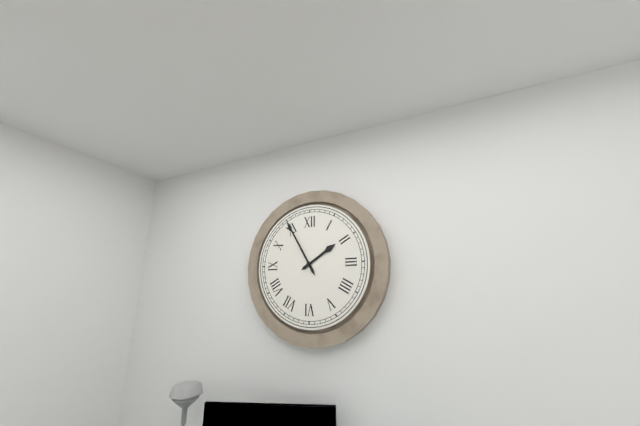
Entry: 1:55
